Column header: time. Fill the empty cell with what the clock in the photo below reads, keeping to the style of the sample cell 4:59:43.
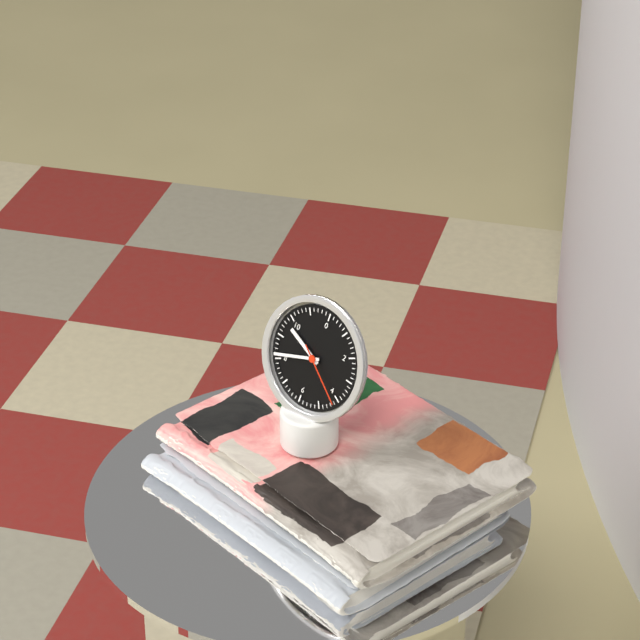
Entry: 9:41:21
